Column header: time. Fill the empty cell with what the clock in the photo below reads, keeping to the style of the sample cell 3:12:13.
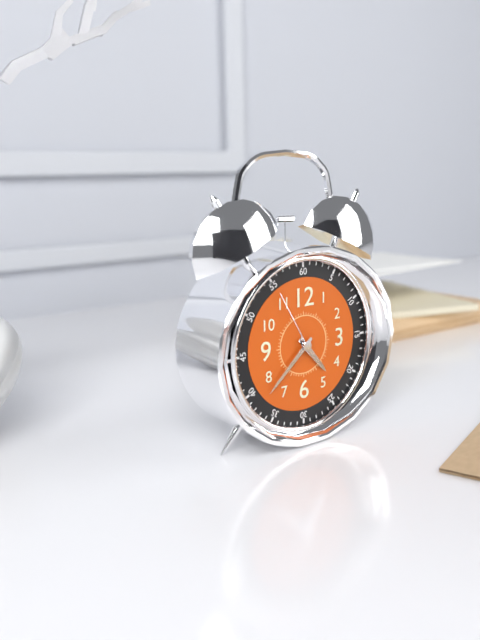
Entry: 4:38:55
